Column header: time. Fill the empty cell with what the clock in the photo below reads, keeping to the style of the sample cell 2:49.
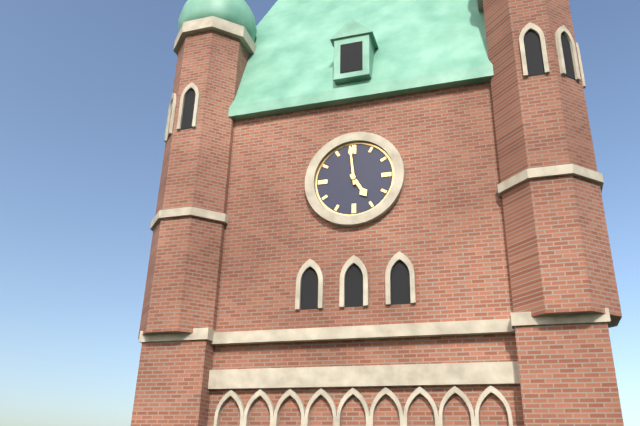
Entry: 4:59
